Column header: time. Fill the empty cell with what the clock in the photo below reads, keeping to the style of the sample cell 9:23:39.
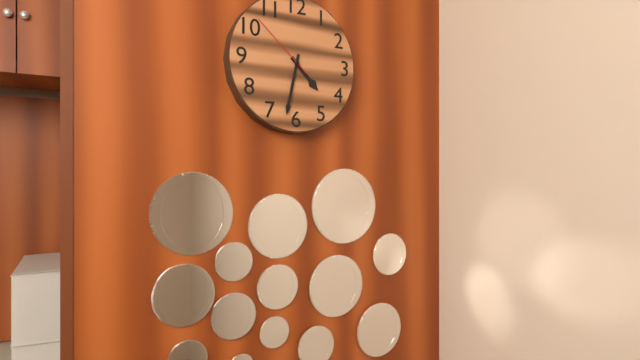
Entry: 4:32:52
